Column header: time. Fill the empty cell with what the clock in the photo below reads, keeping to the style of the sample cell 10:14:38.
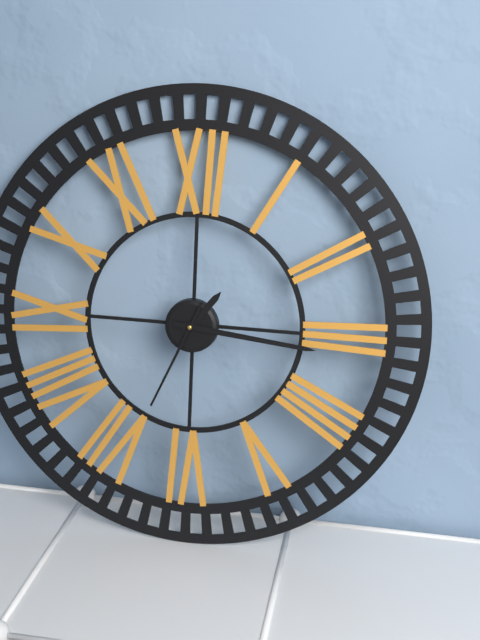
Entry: 1:16:34
